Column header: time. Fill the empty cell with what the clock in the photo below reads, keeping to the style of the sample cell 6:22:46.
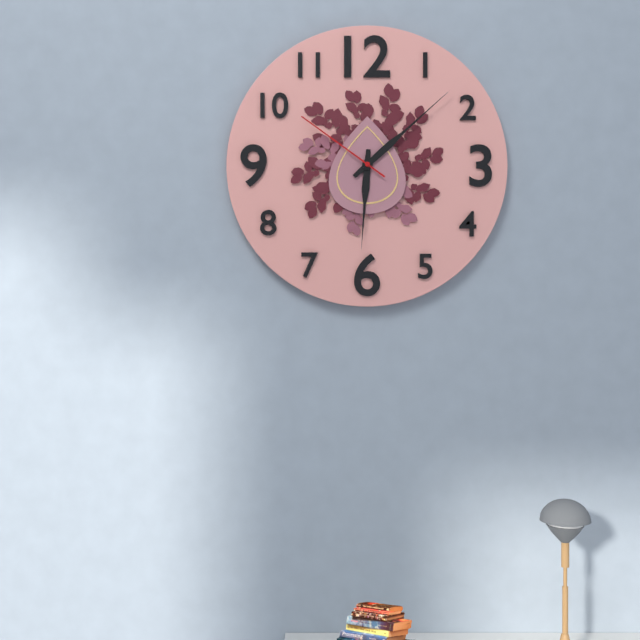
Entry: 6:08:51
